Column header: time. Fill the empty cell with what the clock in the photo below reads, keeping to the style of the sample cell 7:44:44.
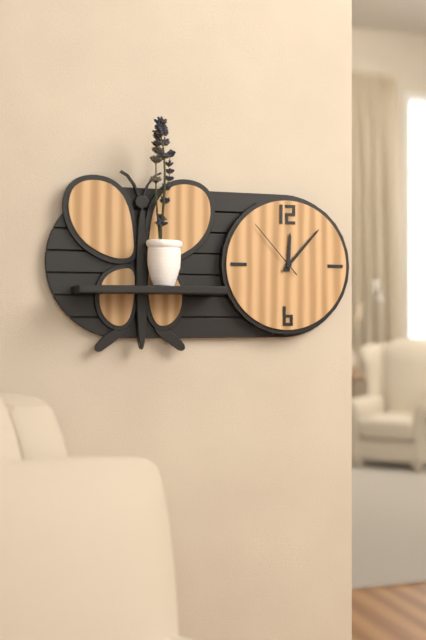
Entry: 12:07:53
